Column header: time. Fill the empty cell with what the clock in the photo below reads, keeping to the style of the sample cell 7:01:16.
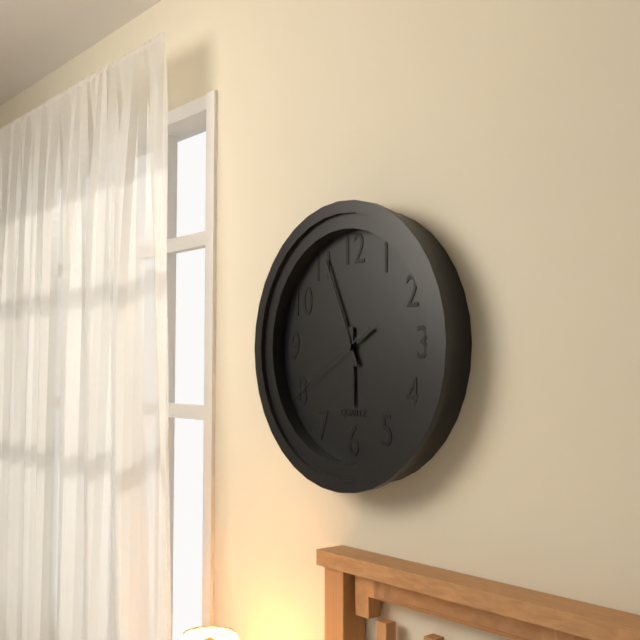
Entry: 5:56:40
